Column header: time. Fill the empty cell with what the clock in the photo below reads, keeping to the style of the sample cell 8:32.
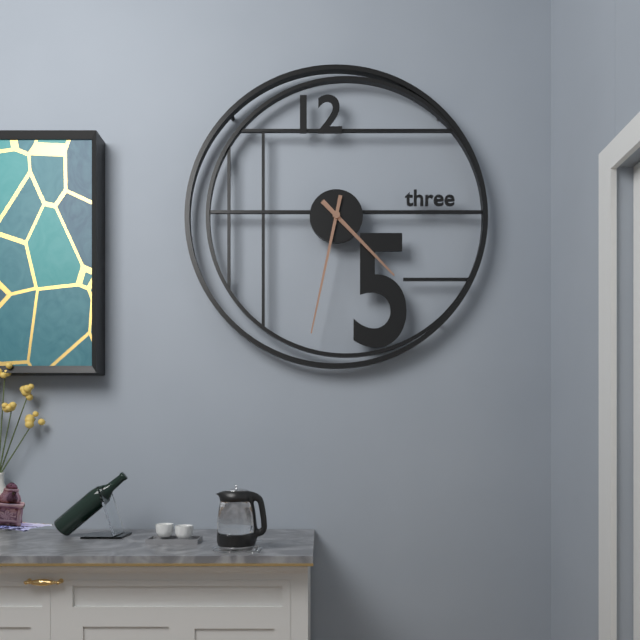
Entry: 4:32
